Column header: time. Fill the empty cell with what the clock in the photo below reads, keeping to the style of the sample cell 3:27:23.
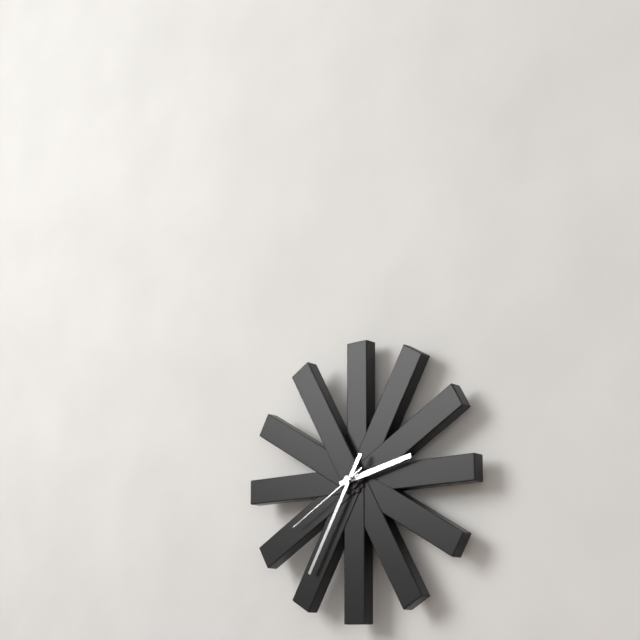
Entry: 2:35:40
